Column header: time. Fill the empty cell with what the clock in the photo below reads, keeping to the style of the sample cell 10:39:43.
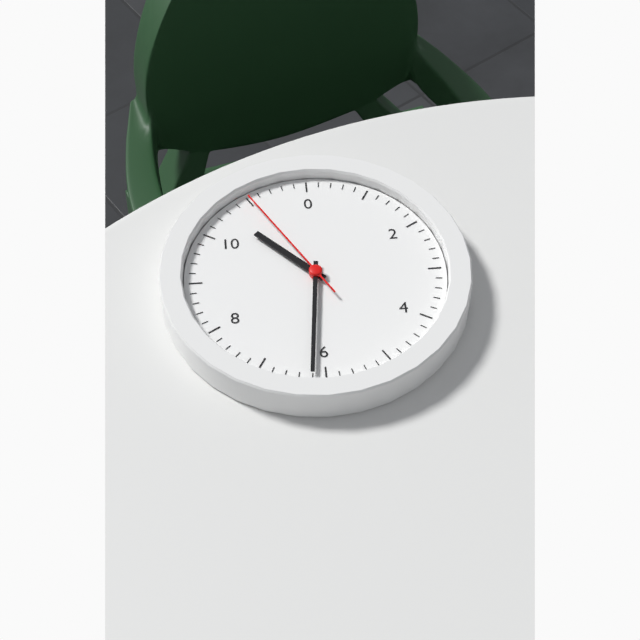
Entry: 10:31:55
